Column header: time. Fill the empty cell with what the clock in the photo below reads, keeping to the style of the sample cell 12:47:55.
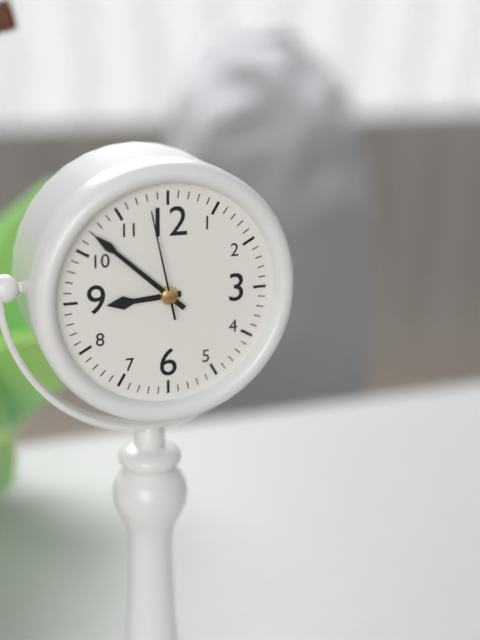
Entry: 8:52:58
